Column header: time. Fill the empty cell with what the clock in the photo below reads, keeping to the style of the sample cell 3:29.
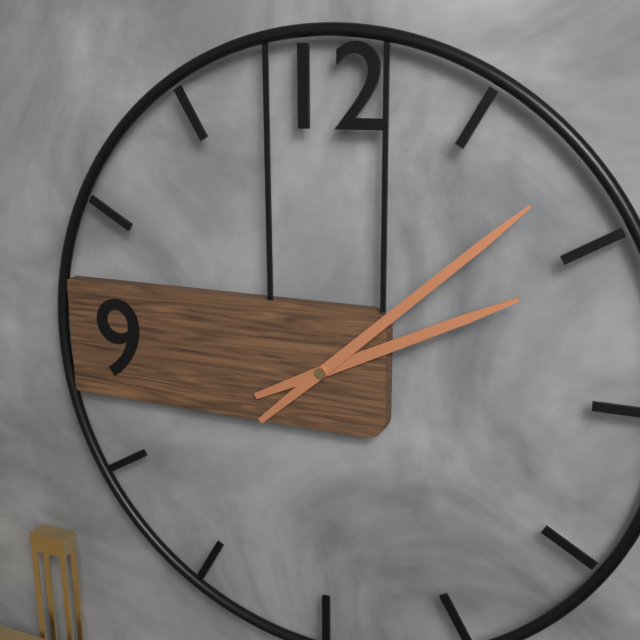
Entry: 2:08
